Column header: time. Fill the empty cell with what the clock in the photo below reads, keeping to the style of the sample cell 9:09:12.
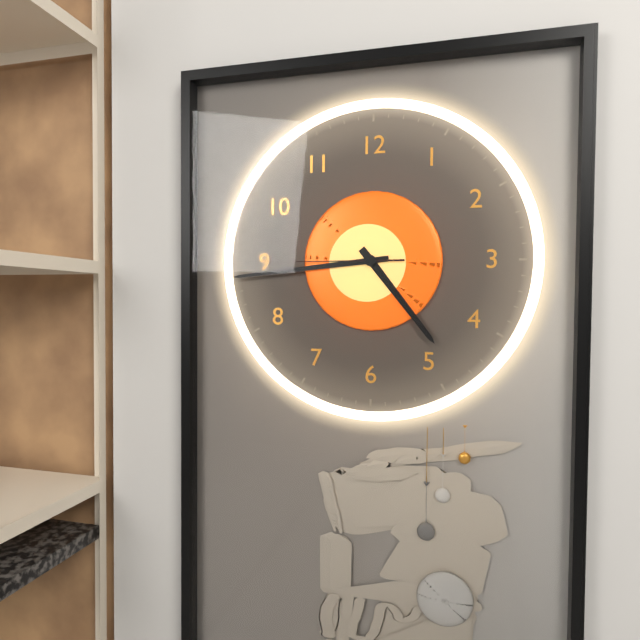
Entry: 4:44:45
